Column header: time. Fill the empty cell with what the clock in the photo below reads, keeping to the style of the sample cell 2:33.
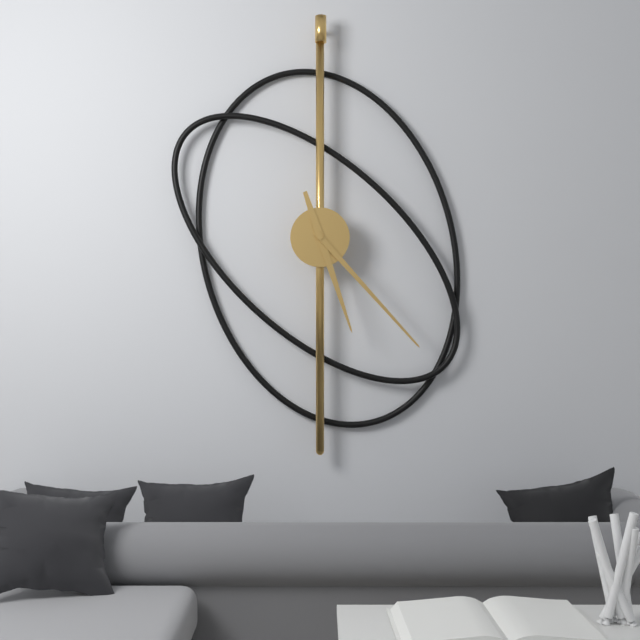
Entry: 5:23
